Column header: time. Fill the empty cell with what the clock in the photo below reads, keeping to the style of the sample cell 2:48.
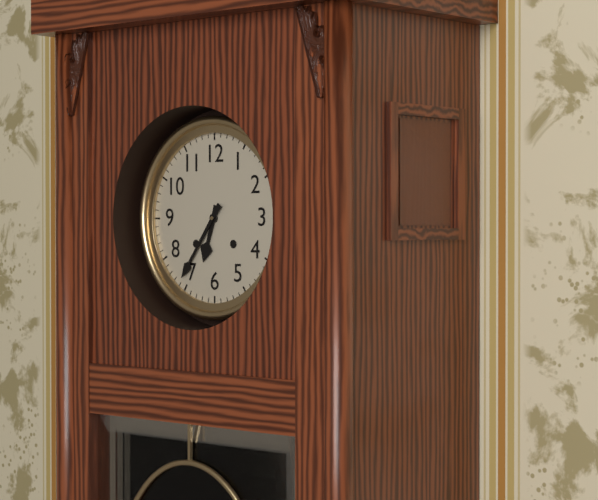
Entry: 6:36
